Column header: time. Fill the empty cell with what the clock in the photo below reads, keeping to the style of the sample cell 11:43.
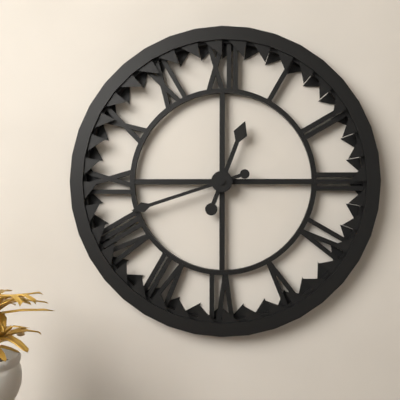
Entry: 12:42
